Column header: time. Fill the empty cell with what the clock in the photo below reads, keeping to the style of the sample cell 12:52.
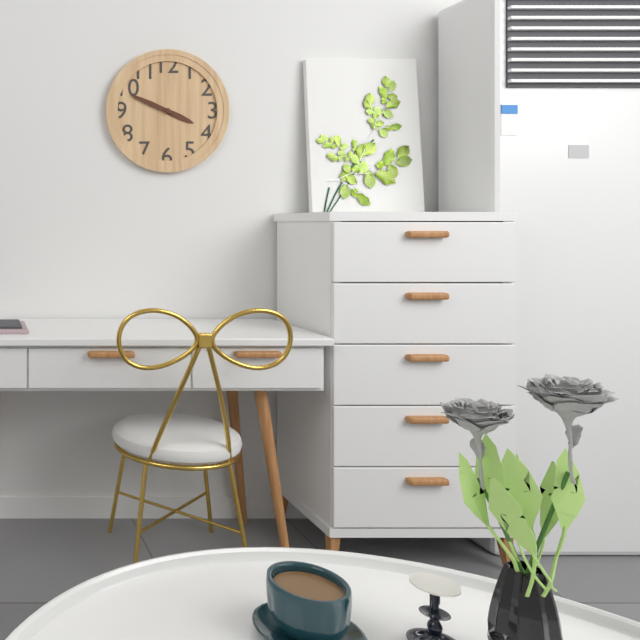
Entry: 3:49
